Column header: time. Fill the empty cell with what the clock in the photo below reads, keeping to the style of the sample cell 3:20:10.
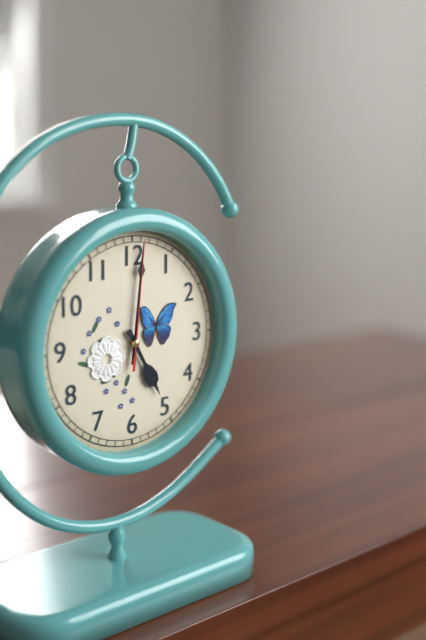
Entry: 5:01:01
